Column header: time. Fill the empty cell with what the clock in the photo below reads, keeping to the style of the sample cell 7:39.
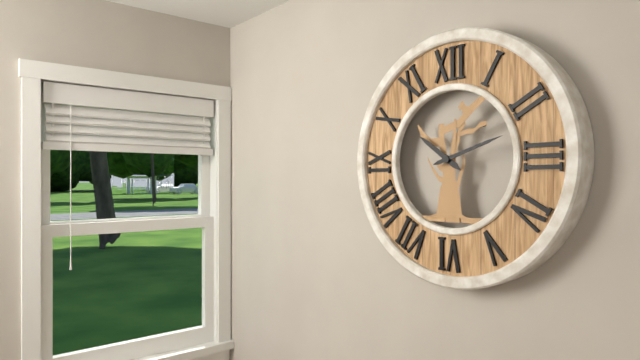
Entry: 10:12
